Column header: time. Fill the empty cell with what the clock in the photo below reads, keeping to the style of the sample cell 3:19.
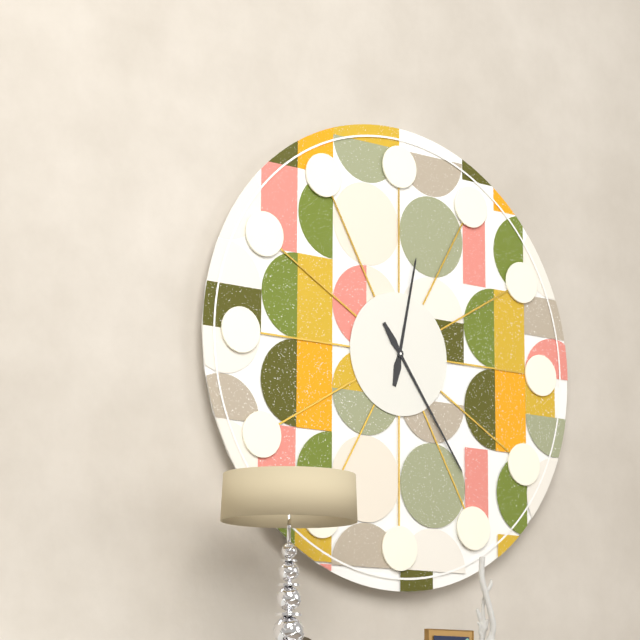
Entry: 12:24
